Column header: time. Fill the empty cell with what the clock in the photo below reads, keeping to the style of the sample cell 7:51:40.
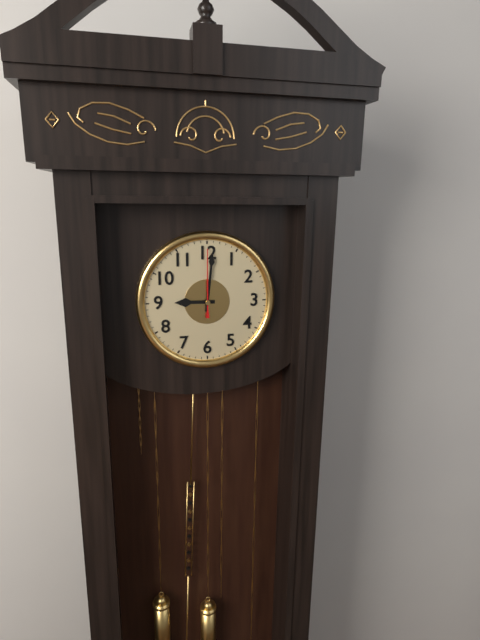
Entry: 9:01:00
